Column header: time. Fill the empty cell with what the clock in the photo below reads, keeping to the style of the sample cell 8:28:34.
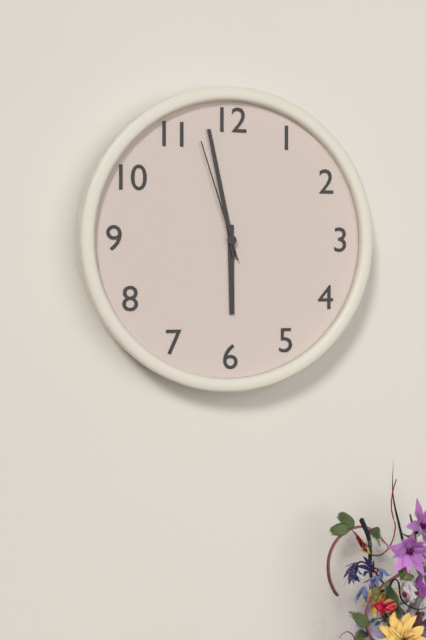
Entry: 5:58:57
